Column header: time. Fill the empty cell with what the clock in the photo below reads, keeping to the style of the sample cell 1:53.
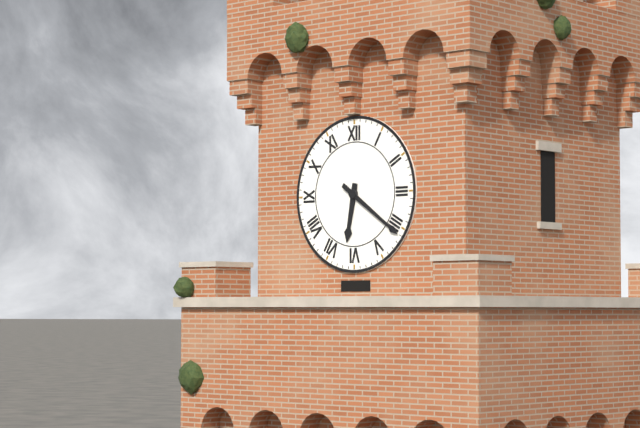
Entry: 6:21
